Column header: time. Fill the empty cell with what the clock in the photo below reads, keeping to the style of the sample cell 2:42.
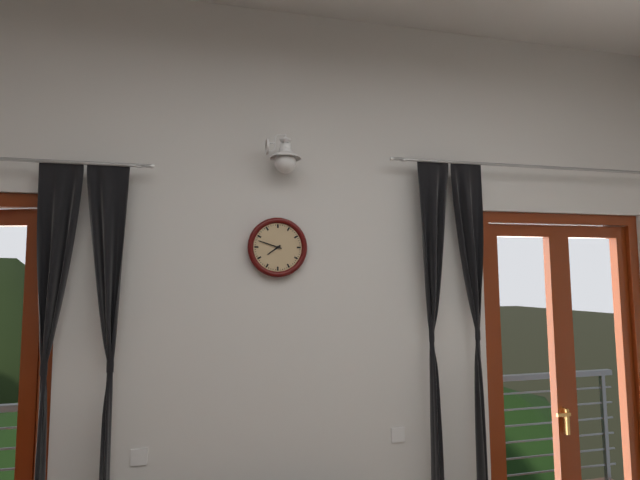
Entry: 7:48
